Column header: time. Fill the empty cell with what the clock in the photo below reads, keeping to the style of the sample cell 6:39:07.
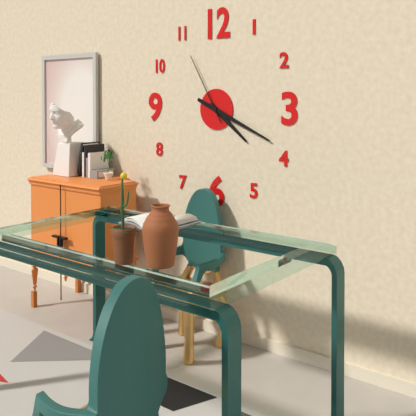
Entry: 4:19:55
